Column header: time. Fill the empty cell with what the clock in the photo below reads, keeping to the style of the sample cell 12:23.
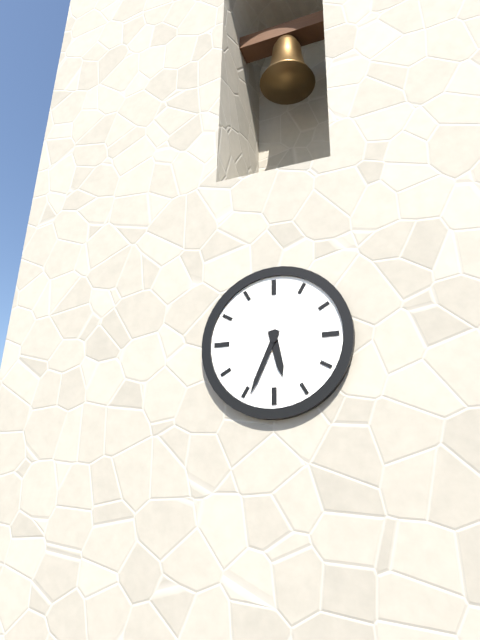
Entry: 5:34
